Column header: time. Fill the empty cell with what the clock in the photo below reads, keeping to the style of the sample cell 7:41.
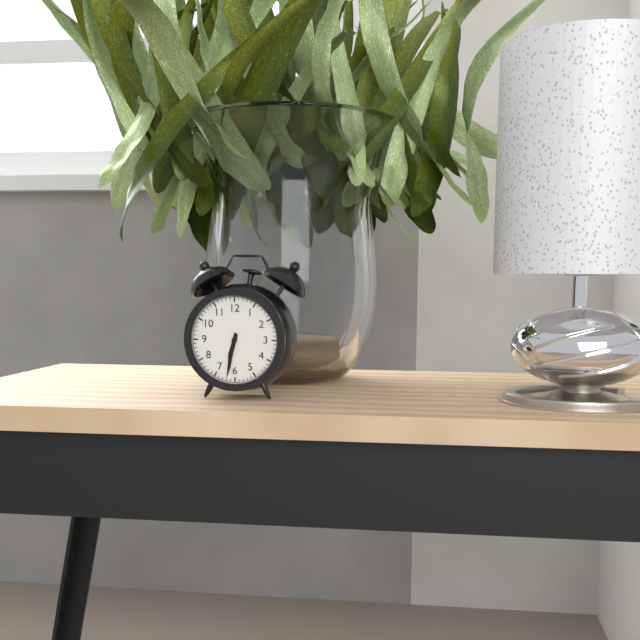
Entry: 6:32
